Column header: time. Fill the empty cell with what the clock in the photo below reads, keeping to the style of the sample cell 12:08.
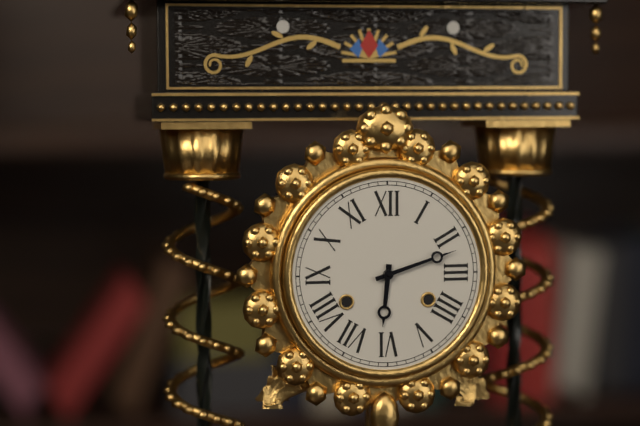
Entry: 6:12
